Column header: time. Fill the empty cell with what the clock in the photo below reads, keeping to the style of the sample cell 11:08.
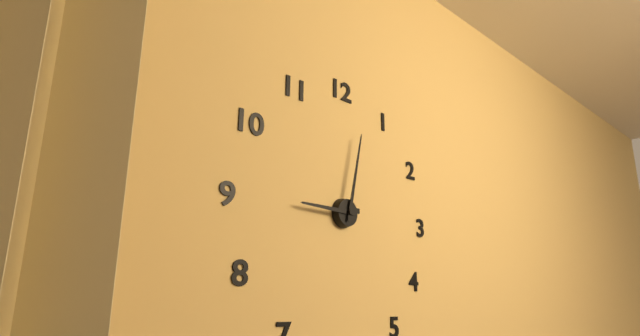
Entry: 9:02
